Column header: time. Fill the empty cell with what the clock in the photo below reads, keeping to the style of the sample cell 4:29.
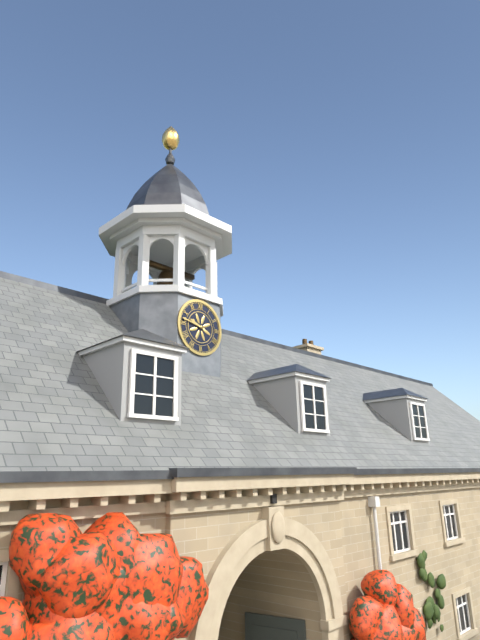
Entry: 9:47
